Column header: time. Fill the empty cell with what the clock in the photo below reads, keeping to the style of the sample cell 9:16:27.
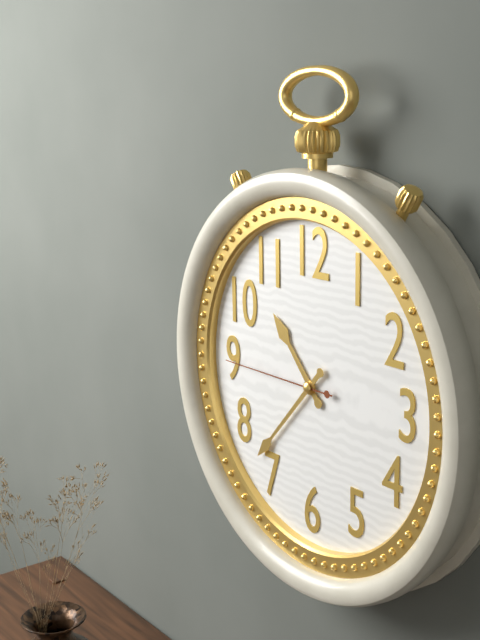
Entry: 10:37:45
